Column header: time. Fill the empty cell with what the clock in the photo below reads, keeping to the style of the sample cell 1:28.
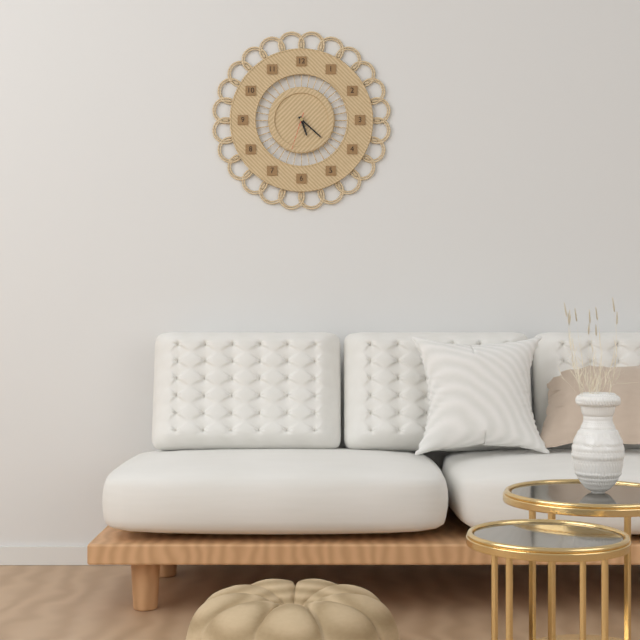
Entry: 5:22
